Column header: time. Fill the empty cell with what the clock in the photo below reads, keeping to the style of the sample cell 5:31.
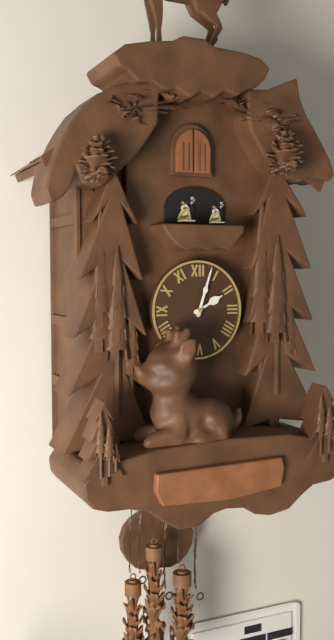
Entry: 2:03
